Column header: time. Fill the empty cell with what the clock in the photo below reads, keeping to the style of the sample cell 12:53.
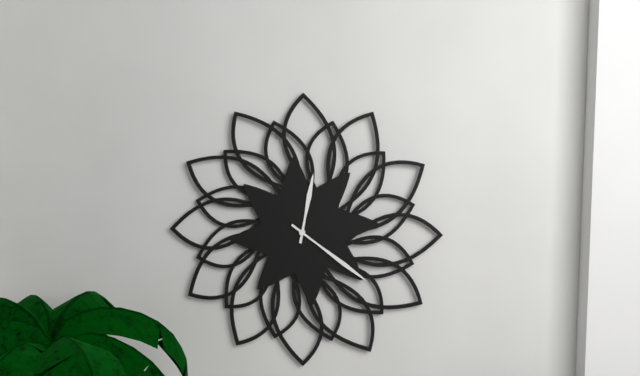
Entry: 12:21
